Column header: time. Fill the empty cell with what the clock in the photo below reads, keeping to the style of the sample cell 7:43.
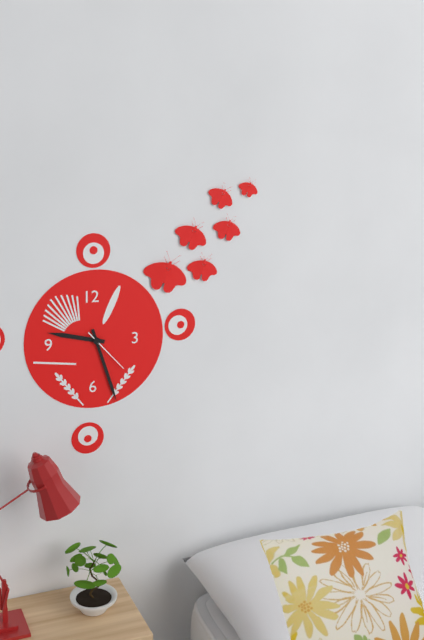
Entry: 9:27
